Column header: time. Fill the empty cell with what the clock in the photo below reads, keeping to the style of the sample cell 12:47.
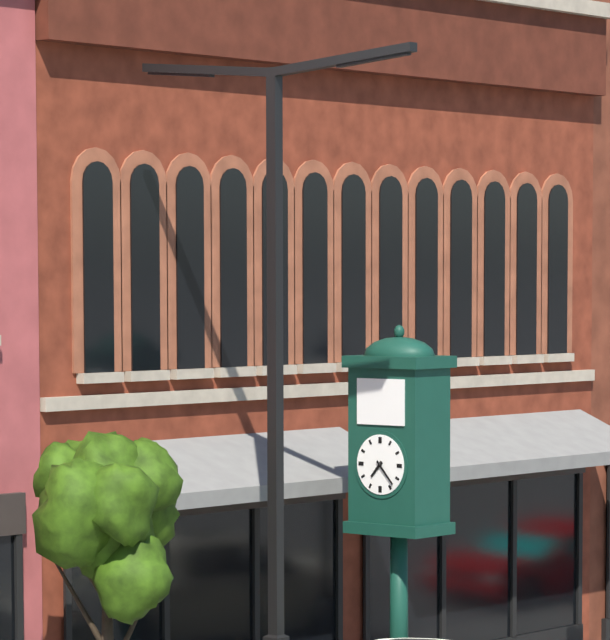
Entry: 7:23
